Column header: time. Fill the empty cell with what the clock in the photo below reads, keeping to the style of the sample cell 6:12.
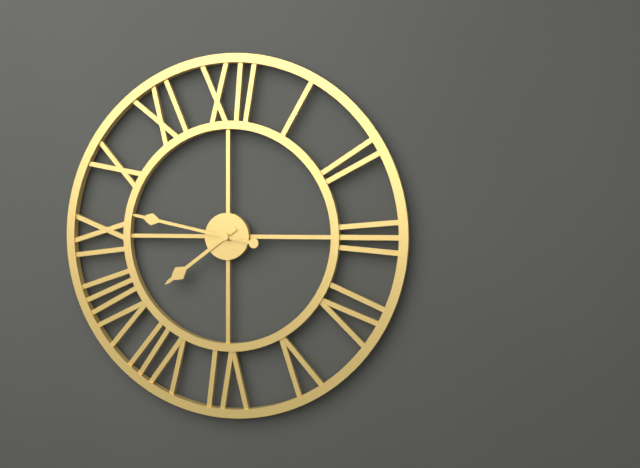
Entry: 7:47
